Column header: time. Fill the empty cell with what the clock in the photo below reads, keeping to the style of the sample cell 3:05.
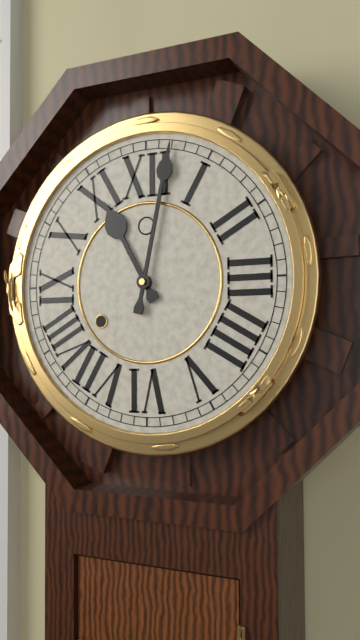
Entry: 11:02
